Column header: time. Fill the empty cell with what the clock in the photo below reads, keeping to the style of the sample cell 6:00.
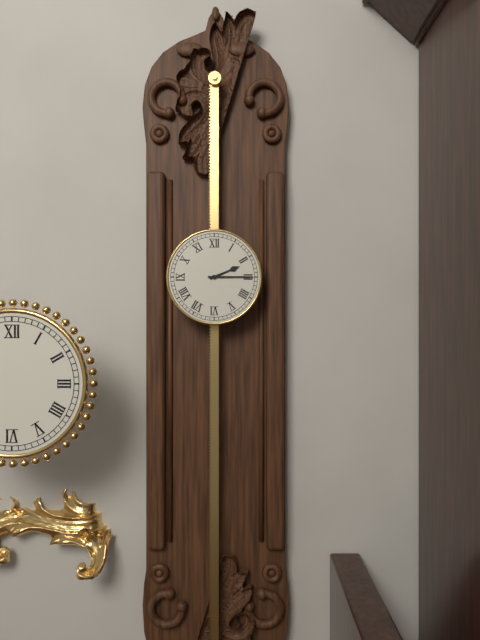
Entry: 2:15
